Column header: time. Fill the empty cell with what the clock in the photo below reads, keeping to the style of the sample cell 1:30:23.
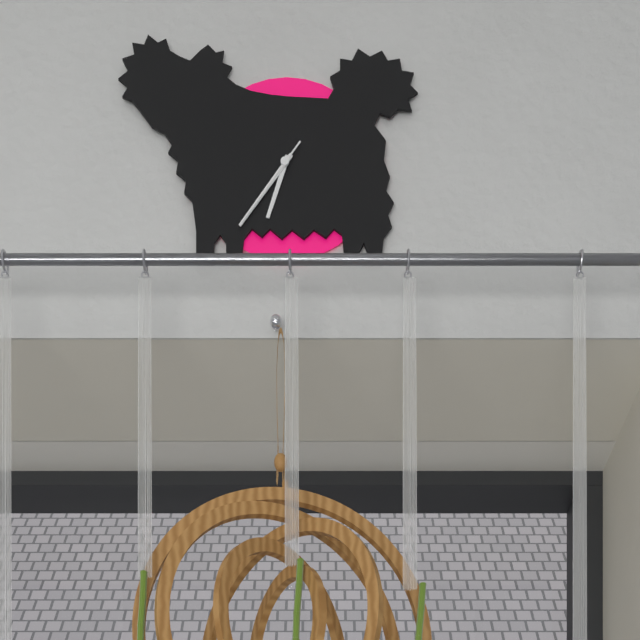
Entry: 6:36:36
